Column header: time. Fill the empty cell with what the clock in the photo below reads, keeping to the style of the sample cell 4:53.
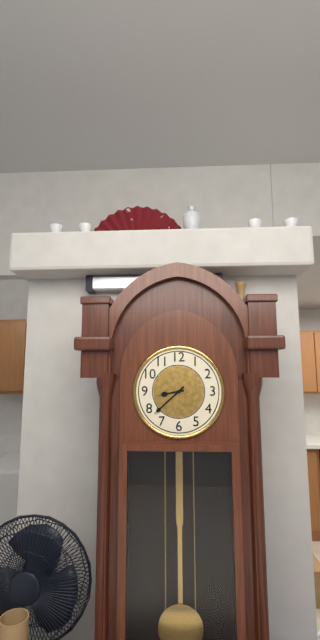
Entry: 8:38
